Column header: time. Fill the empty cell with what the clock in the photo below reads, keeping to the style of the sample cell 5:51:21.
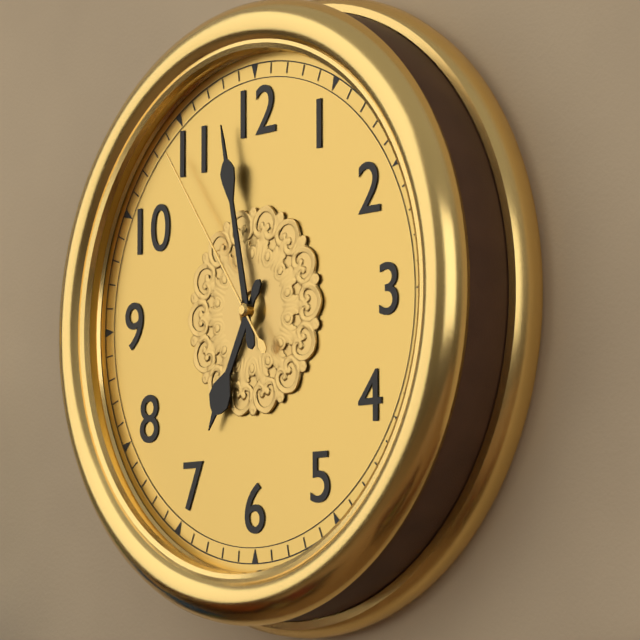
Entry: 6:58:54
